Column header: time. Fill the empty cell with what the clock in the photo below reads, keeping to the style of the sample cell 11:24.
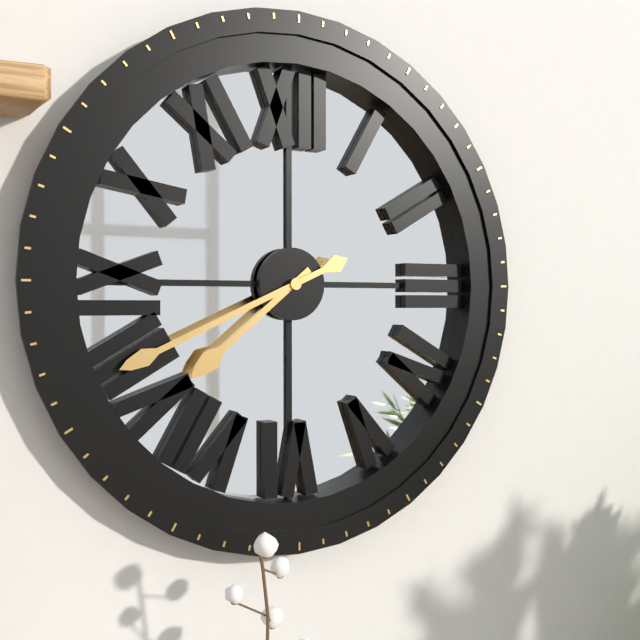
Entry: 7:41
